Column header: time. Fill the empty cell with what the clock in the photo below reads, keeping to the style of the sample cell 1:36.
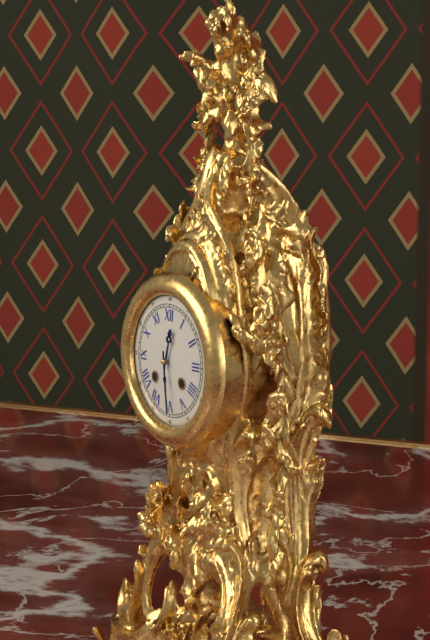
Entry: 12:29
